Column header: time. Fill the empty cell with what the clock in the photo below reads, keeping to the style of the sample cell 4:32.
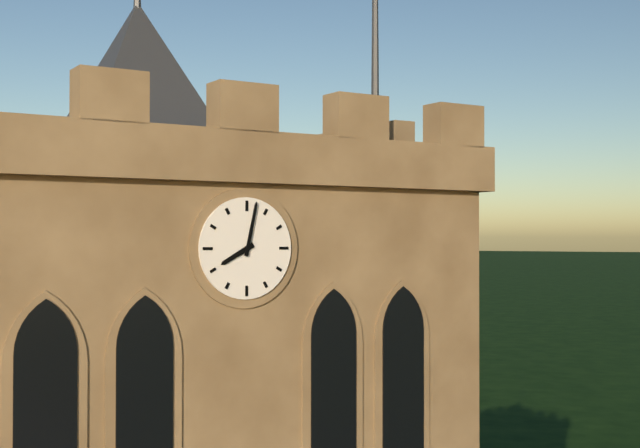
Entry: 8:02
